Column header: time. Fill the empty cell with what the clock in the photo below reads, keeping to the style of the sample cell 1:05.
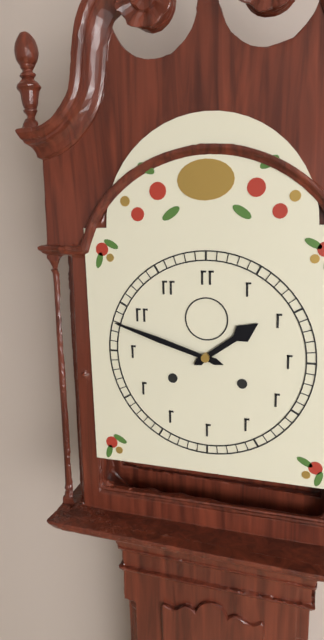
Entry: 1:48
